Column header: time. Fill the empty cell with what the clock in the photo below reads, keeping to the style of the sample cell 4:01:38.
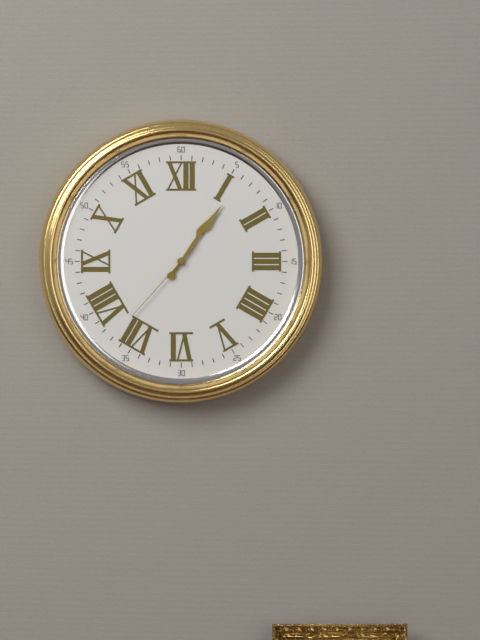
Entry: 1:06:37
